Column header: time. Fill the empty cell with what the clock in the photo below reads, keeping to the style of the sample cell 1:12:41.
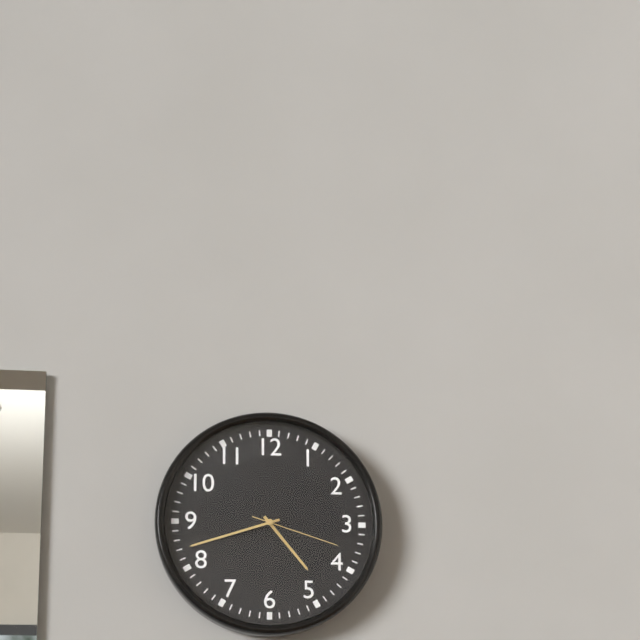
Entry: 4:42:18
